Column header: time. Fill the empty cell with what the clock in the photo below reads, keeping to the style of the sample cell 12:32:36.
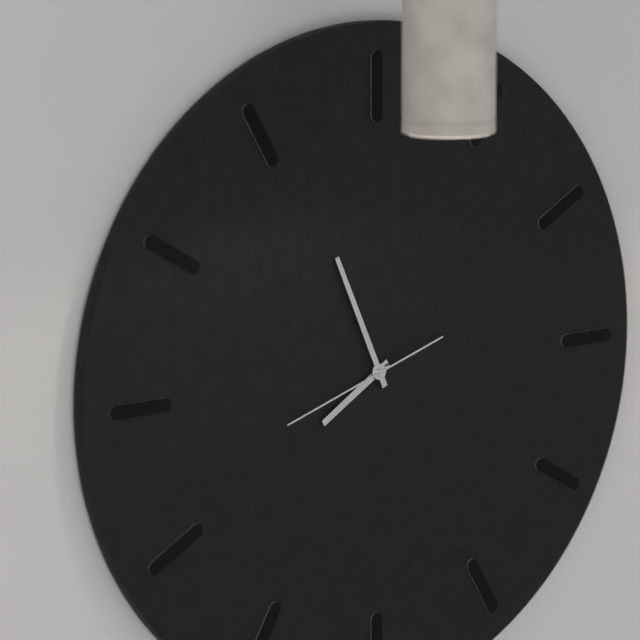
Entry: 7:56:42
